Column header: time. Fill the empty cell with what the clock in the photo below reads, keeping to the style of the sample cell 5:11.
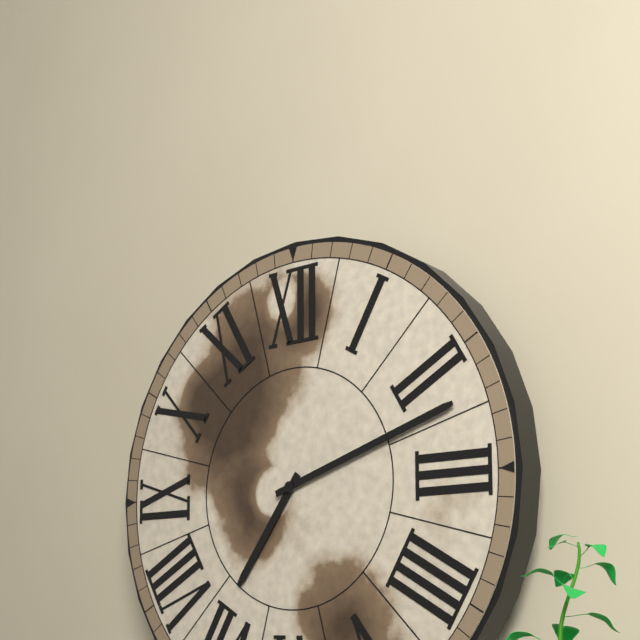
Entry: 7:12
